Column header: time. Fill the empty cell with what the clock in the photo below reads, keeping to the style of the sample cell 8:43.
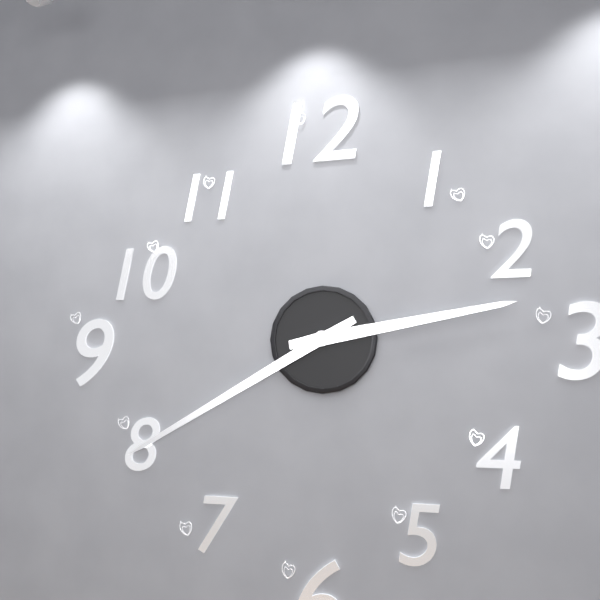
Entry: 2:40
